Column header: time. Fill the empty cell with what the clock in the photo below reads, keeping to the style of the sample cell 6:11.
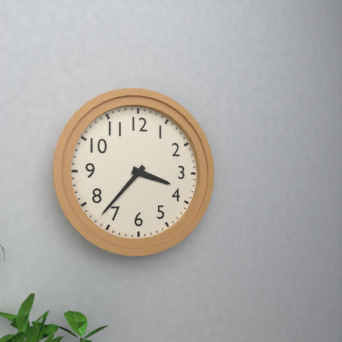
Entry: 3:37
